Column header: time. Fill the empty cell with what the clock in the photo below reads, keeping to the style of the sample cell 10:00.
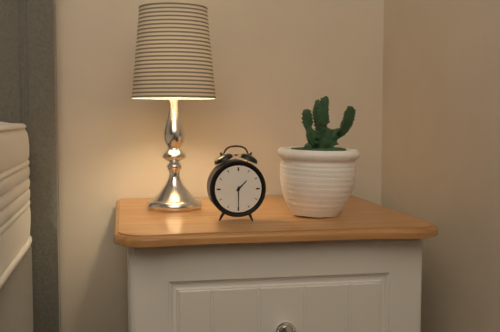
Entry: 1:30
